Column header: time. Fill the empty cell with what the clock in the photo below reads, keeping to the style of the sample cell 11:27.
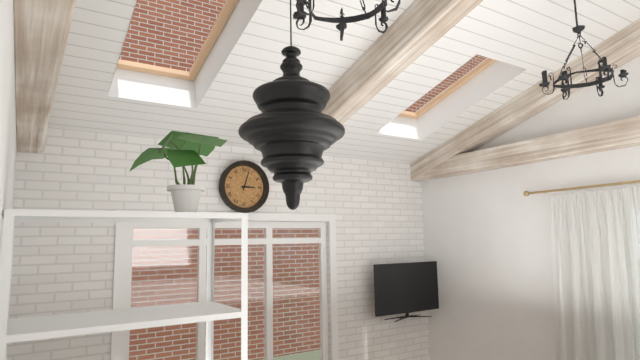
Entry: 3:03
